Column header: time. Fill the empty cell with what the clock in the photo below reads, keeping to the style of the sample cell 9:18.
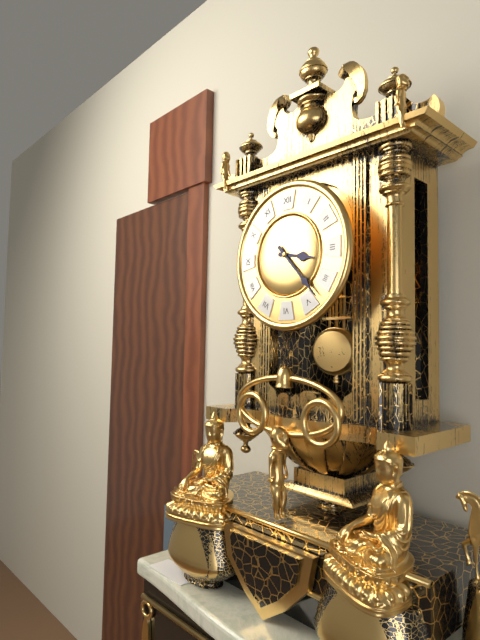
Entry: 3:23
